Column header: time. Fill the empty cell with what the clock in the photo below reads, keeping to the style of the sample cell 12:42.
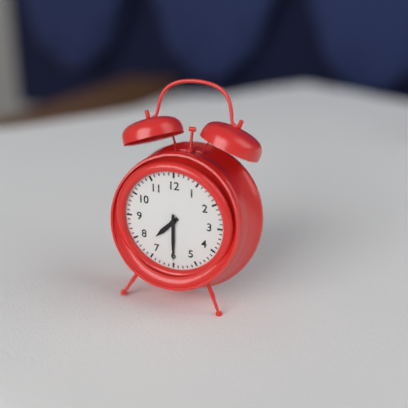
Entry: 7:30
